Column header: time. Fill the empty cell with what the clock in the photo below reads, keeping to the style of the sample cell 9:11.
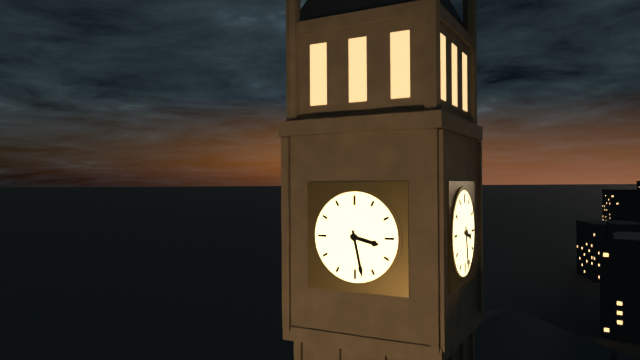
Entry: 3:28
